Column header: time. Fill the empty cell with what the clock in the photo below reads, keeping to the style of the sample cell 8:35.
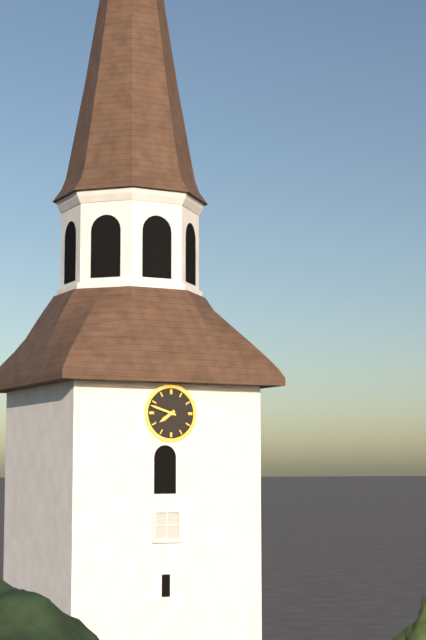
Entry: 7:48
